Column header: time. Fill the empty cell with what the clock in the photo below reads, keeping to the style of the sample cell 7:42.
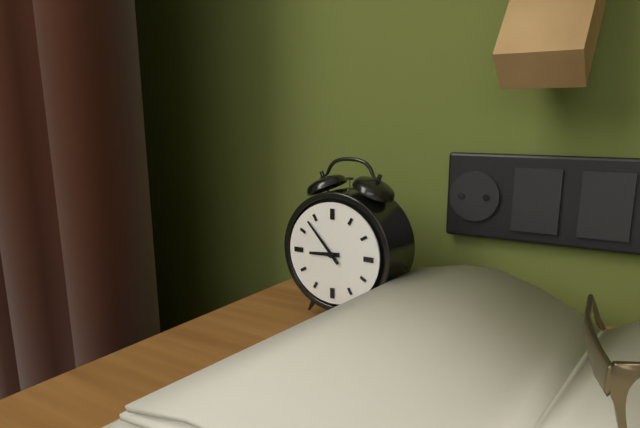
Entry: 8:53
